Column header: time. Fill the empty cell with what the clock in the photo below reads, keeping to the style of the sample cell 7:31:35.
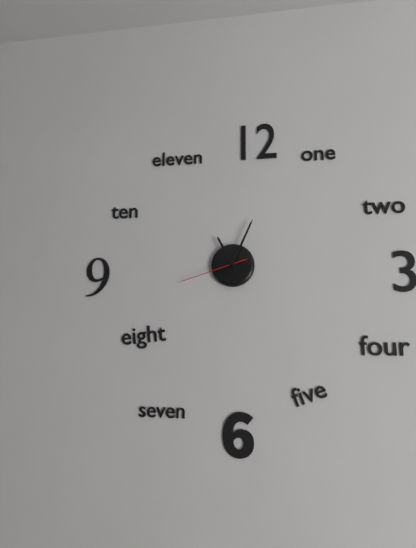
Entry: 11:04:42
